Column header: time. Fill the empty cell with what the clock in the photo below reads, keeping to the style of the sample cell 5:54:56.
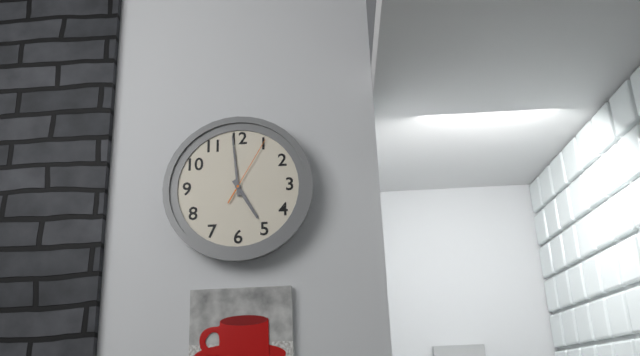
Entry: 4:59:05
